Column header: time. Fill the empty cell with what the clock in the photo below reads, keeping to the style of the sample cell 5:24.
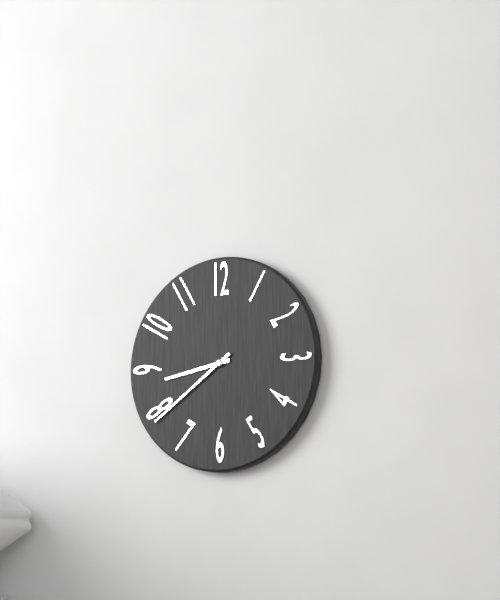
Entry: 8:39
